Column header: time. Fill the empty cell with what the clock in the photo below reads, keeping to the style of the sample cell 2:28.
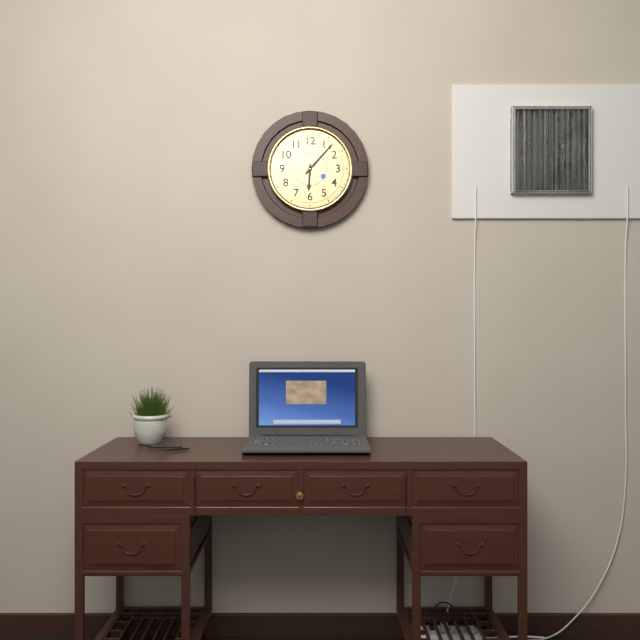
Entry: 6:07
